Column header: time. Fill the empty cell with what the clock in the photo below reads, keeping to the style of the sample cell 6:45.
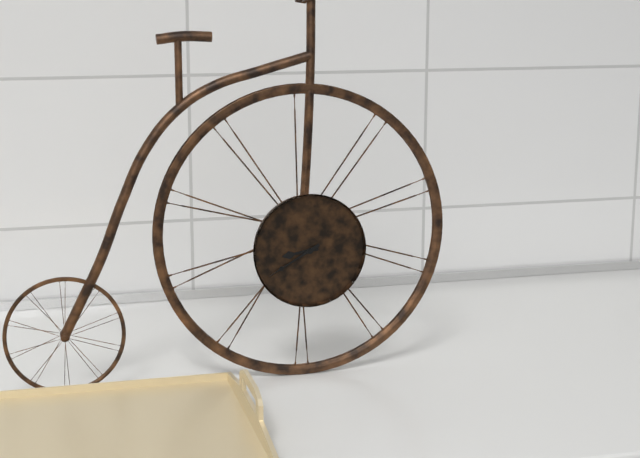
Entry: 8:40
